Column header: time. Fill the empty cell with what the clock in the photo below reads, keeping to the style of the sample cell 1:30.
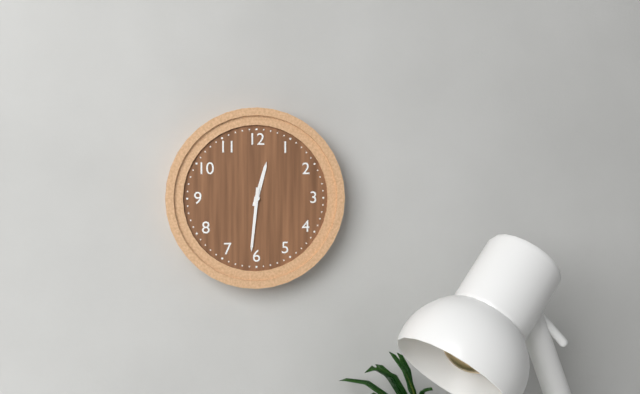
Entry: 12:31
